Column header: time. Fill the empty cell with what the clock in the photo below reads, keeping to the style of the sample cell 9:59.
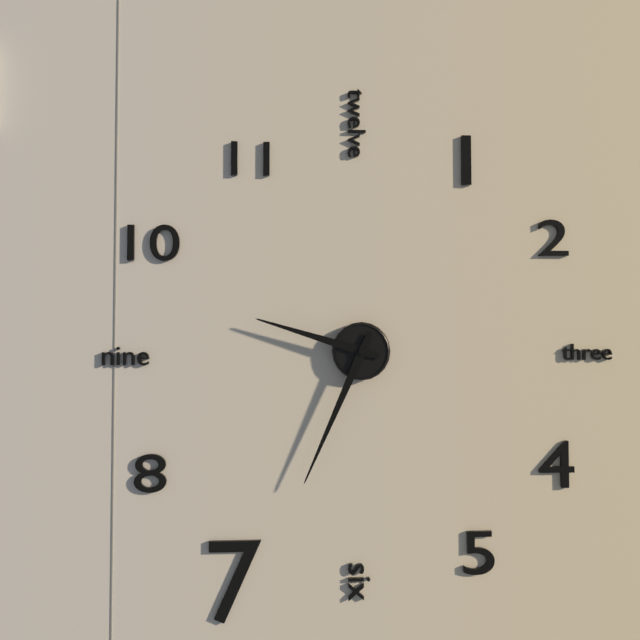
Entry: 9:34
